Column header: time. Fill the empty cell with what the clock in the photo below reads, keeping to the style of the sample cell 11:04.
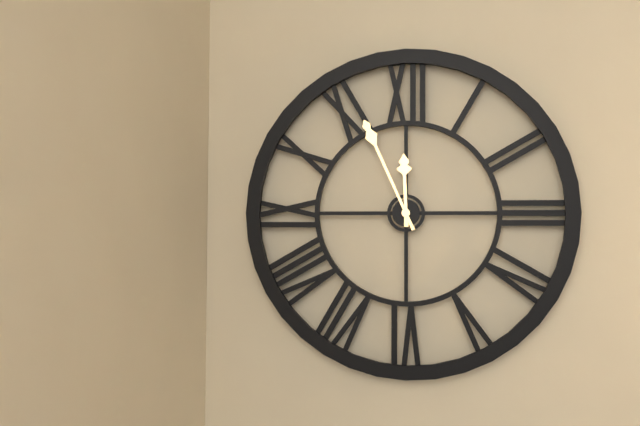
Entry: 11:56
